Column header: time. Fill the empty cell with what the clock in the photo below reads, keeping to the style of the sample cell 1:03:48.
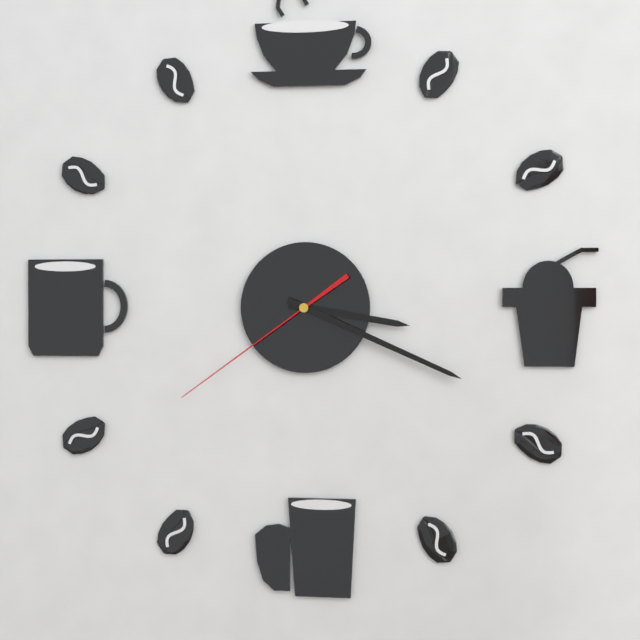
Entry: 3:19:39
